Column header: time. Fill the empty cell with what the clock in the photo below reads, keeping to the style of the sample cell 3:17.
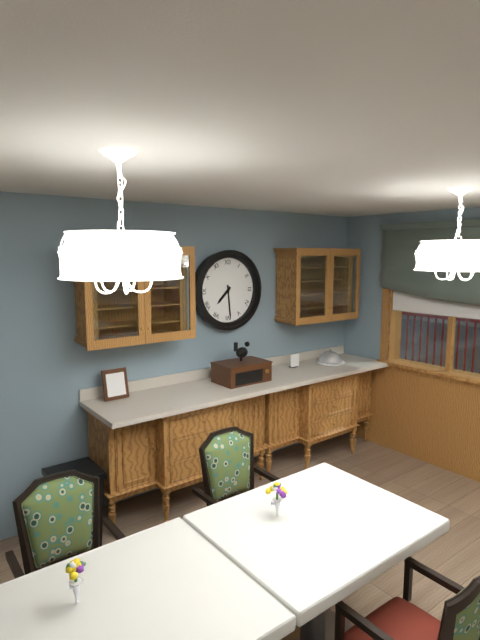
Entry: 7:29
